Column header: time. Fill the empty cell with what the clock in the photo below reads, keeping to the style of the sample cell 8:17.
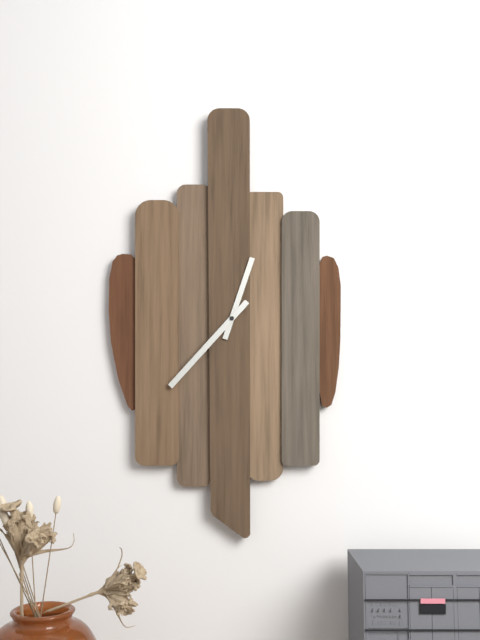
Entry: 12:37
